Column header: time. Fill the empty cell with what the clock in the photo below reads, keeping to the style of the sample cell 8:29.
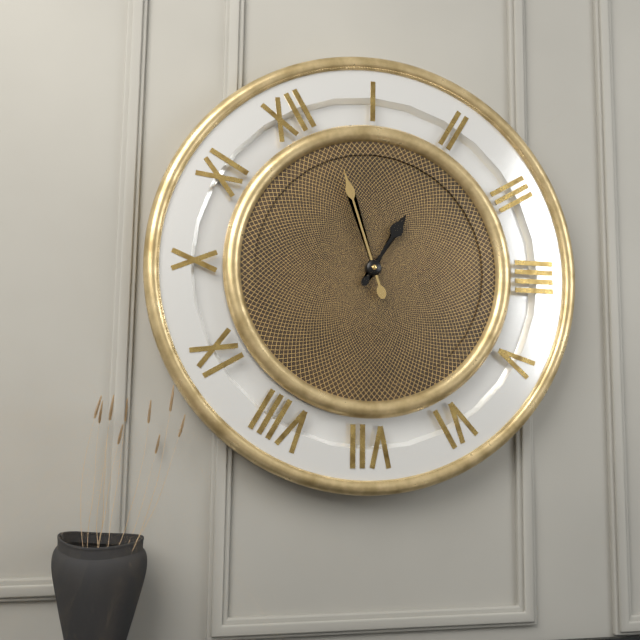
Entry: 2:02
